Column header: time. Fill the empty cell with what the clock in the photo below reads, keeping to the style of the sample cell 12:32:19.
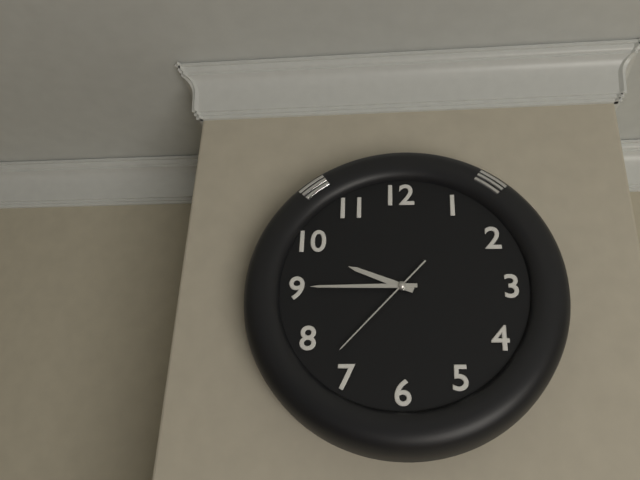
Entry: 9:45:37
